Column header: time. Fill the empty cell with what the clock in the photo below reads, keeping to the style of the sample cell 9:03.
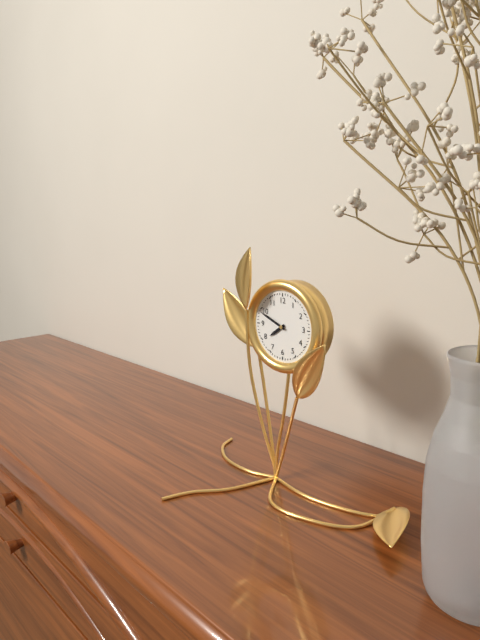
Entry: 7:49
